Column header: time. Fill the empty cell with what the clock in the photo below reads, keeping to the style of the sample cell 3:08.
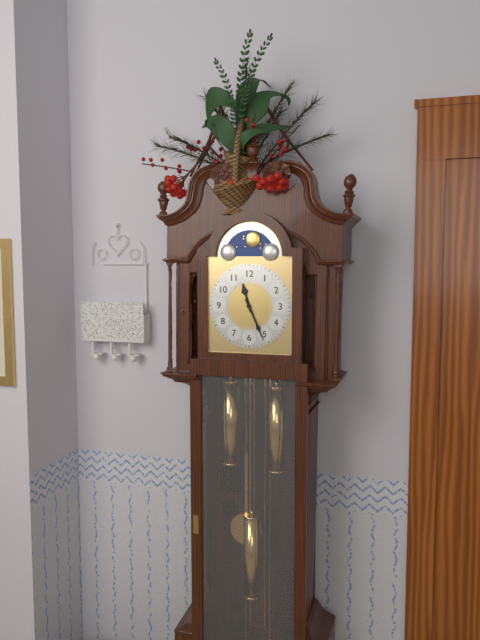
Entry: 11:26
